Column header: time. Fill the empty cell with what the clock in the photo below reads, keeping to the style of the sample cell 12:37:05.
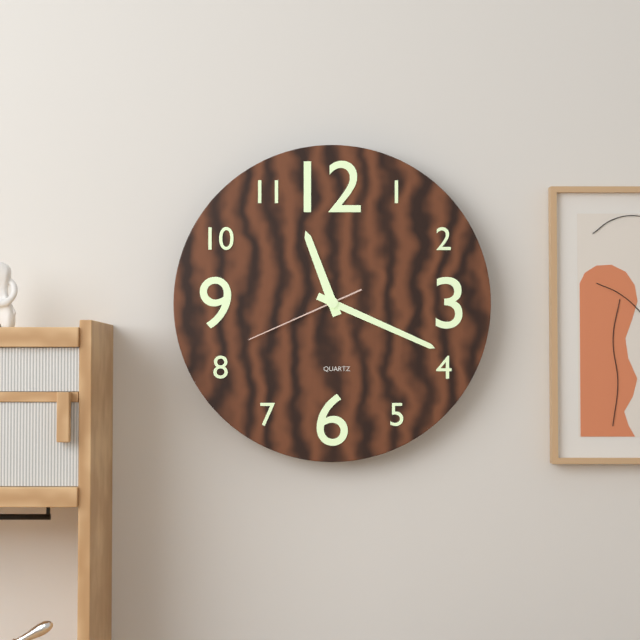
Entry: 11:19:41
